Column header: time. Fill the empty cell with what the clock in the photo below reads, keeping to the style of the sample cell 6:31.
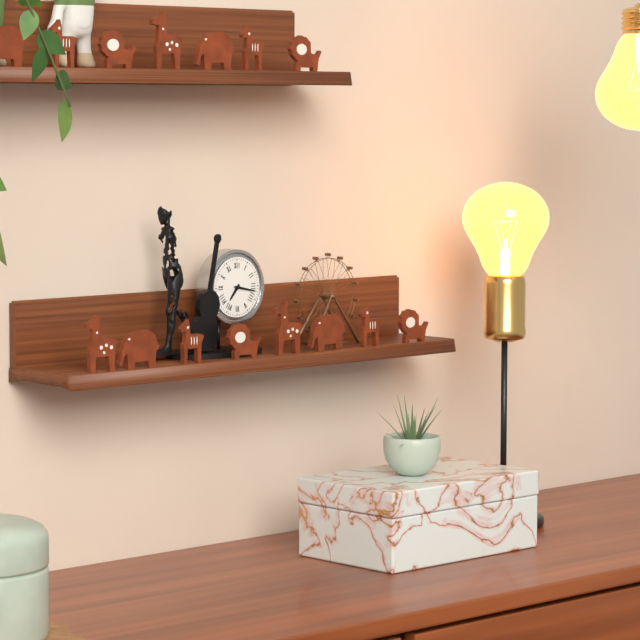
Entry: 7:17
